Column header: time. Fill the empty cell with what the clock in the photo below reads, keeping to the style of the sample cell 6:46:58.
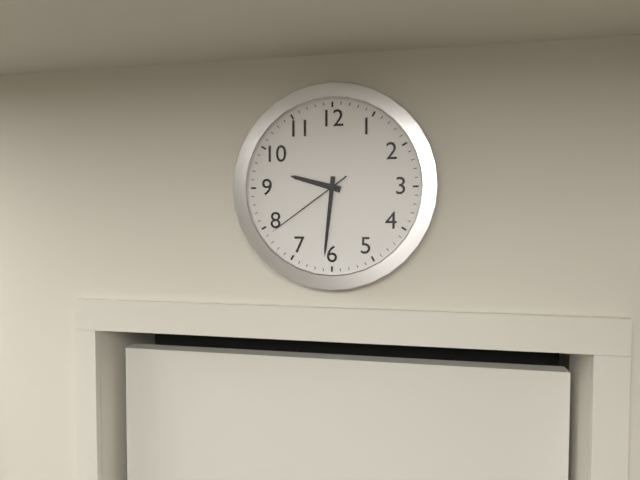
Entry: 9:31:39
